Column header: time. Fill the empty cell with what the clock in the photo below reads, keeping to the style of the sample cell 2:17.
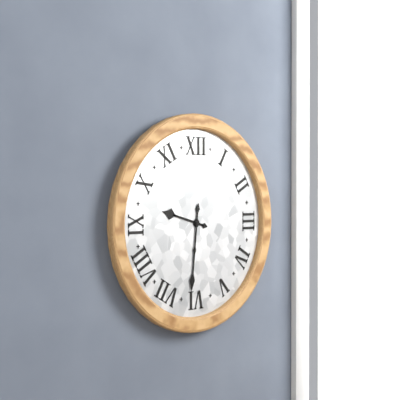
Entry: 9:31
